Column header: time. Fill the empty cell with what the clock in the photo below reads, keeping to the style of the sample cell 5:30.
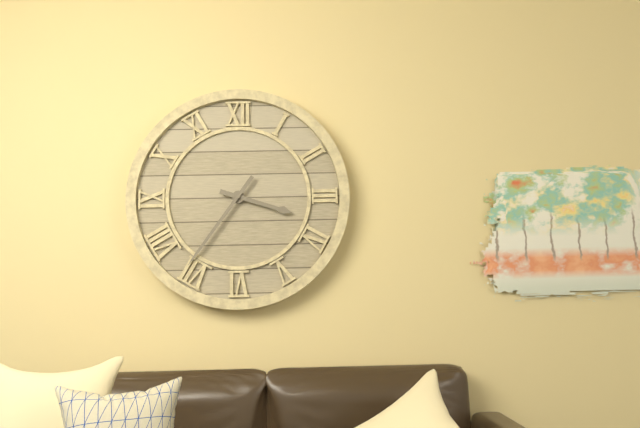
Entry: 3:36
